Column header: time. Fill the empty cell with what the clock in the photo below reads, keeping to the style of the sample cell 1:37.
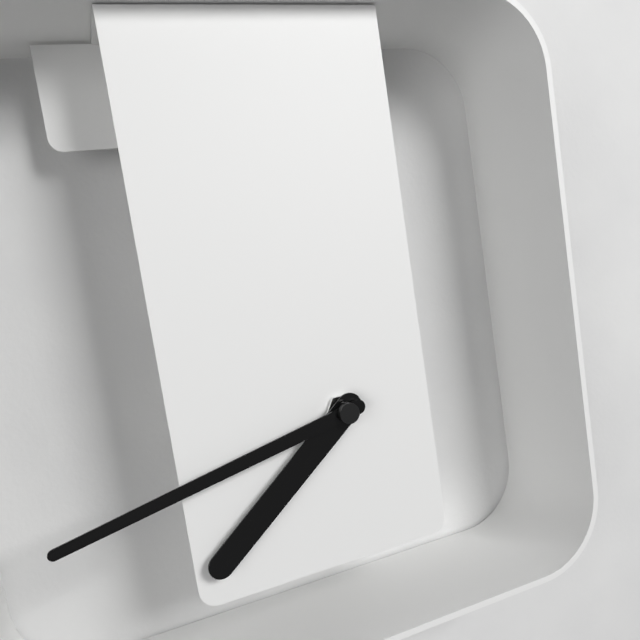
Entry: 7:43
